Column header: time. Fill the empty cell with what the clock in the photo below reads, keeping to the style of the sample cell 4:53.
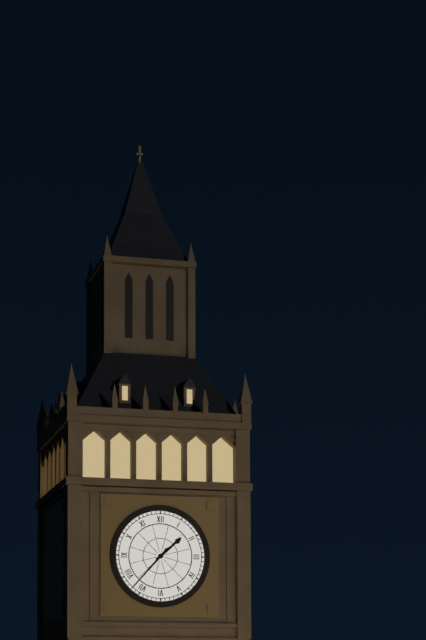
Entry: 1:37
